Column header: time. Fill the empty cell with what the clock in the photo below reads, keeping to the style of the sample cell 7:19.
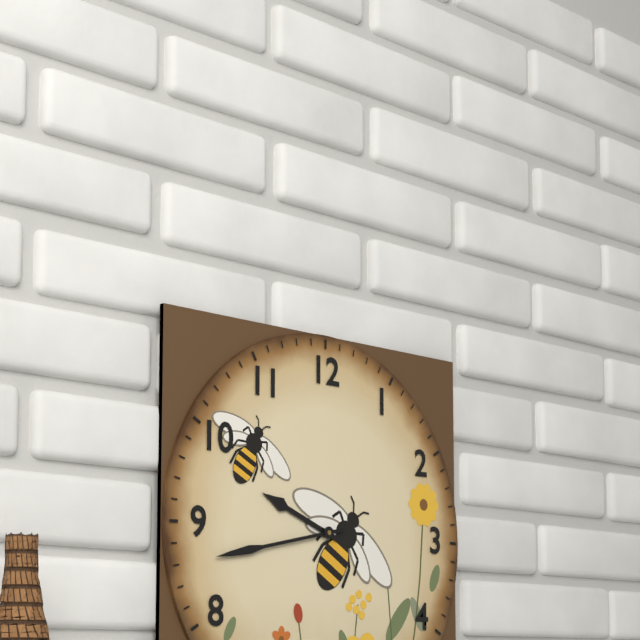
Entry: 9:43
